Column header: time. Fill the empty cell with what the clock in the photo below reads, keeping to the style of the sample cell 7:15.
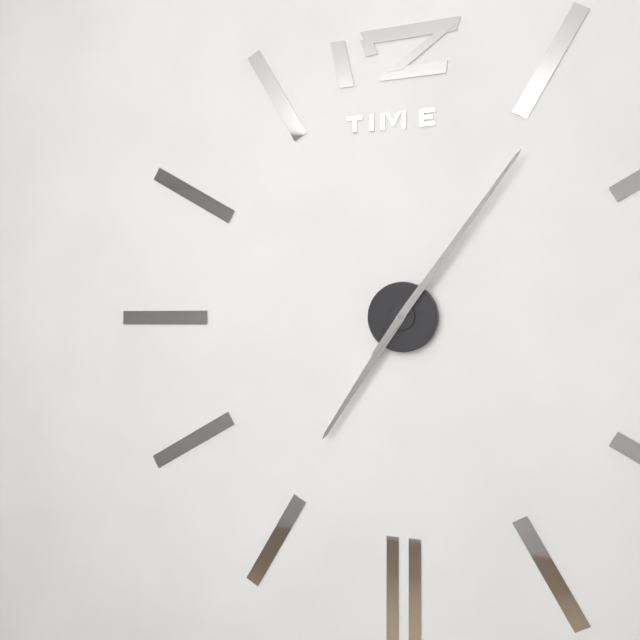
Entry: 7:06
